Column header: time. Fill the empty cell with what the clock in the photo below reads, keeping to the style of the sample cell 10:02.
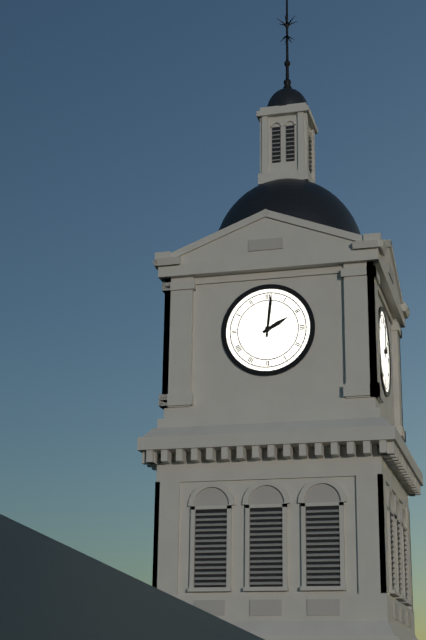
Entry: 2:01
